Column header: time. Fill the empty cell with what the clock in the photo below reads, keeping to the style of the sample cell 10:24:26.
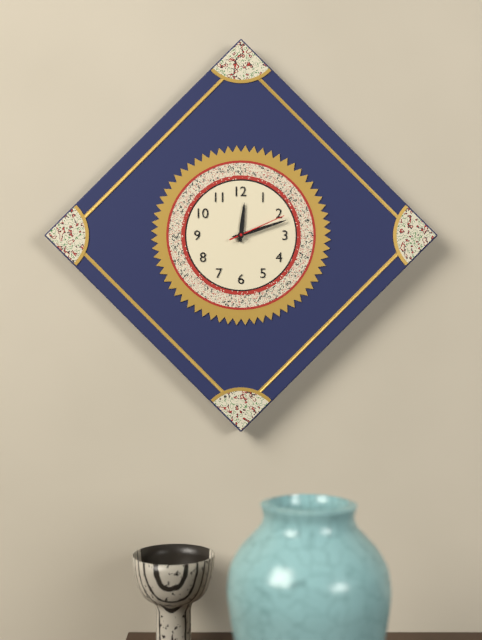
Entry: 12:12:11
